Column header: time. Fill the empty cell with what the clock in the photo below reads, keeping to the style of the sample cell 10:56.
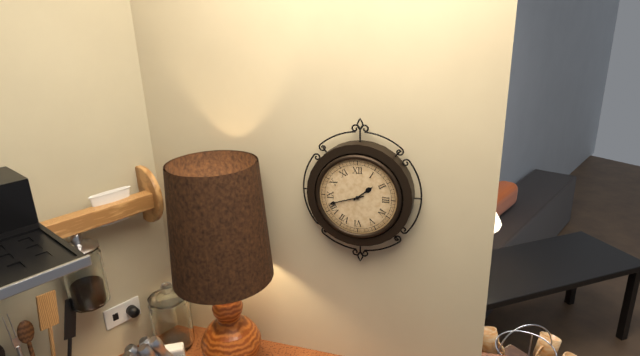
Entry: 1:42
